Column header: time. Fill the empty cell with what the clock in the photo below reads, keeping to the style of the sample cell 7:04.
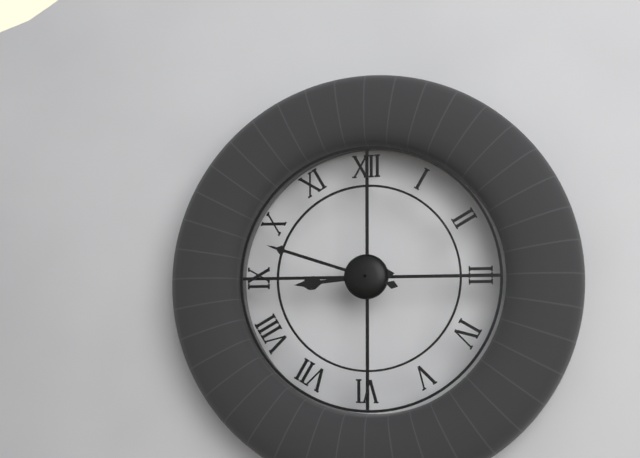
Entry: 8:48
